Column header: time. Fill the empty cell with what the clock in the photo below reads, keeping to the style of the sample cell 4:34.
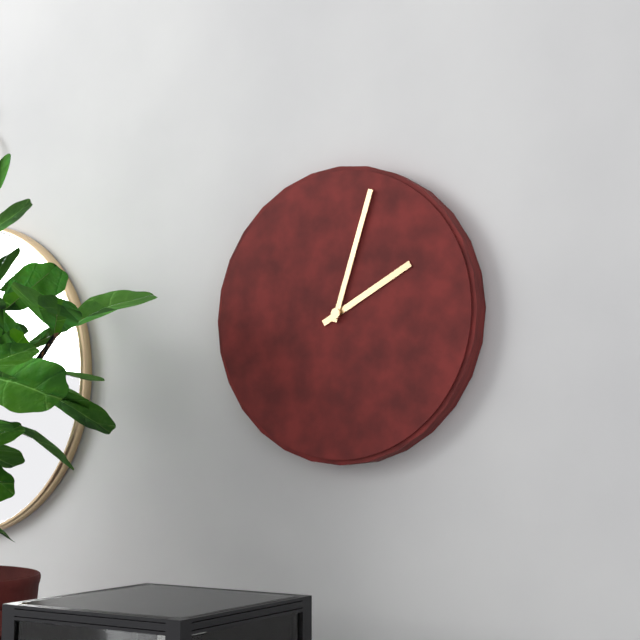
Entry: 2:03
